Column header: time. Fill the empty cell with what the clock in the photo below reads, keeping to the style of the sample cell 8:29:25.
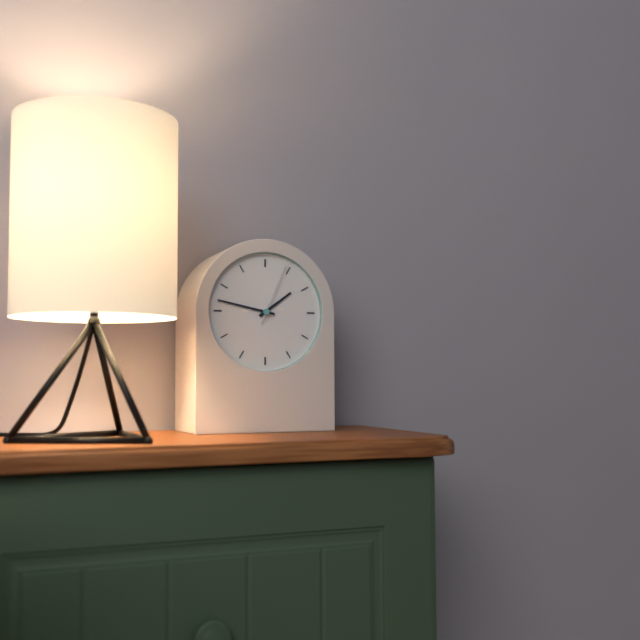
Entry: 1:47:04
